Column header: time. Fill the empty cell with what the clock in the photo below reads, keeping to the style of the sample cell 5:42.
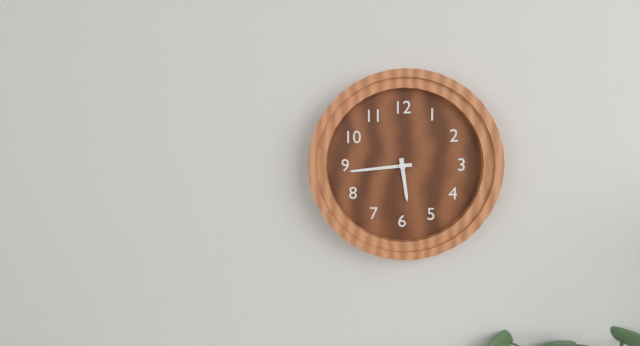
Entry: 5:44
